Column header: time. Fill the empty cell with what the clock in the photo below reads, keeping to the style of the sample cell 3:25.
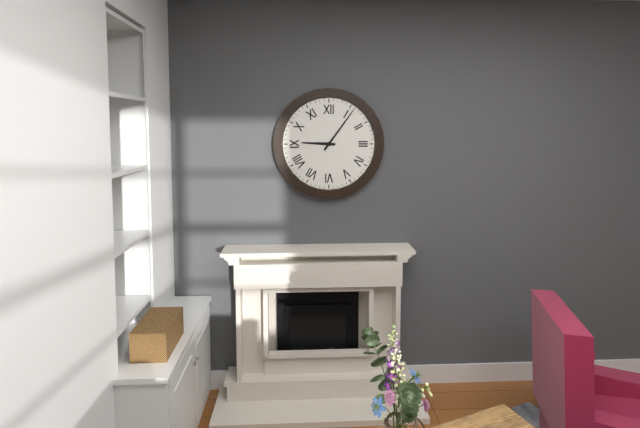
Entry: 9:06
